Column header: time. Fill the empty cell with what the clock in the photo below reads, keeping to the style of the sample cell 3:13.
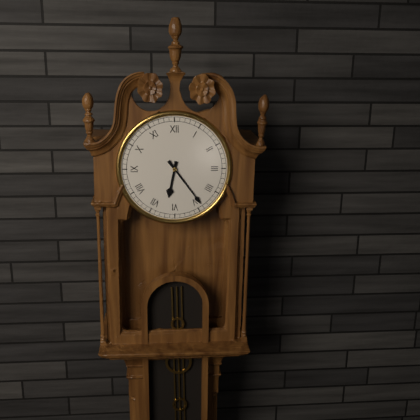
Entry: 6:24
